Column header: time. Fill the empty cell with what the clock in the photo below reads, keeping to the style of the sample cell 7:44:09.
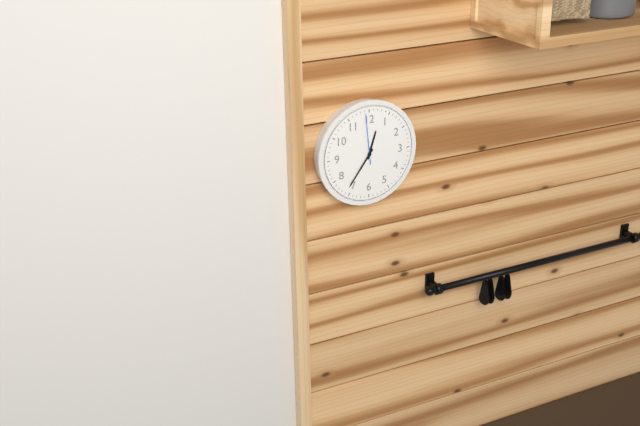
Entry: 12:36:59
